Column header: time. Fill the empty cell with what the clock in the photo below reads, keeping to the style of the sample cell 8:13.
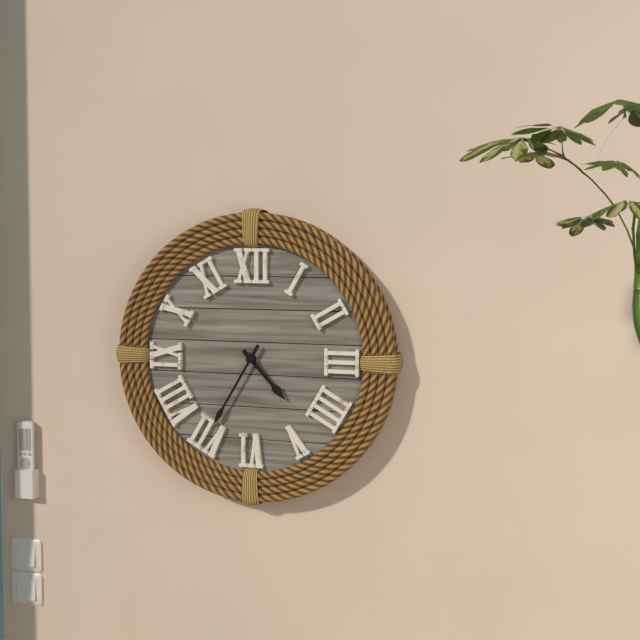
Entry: 4:35
